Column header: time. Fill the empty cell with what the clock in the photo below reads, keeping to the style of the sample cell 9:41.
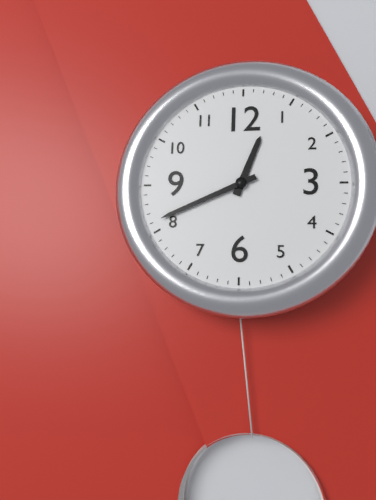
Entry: 12:41
